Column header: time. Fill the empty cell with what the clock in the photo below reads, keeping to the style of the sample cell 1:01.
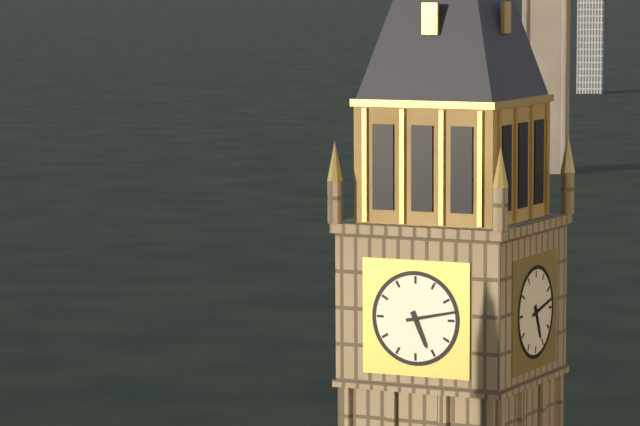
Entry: 5:13
